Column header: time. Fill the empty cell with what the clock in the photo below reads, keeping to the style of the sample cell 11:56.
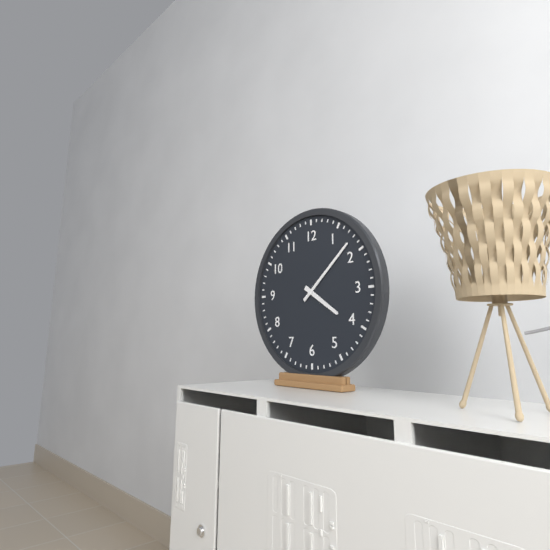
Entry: 4:08
